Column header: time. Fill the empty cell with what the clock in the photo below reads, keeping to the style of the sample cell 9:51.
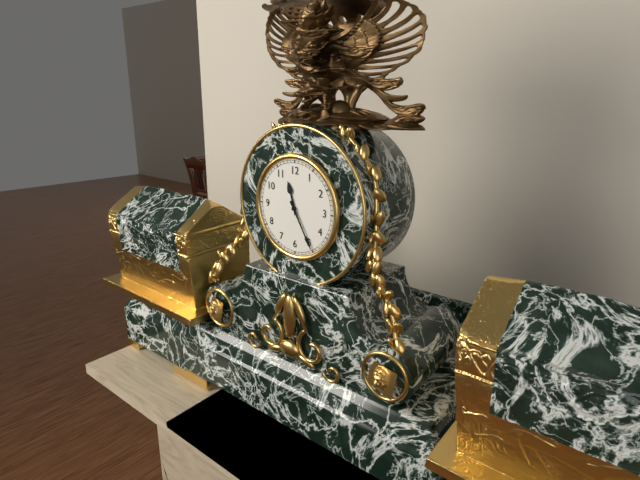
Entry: 11:25
